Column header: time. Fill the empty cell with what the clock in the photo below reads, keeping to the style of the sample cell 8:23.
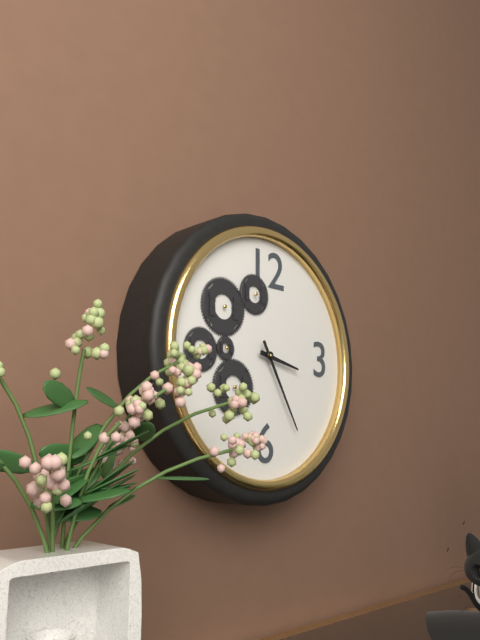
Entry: 3:25
